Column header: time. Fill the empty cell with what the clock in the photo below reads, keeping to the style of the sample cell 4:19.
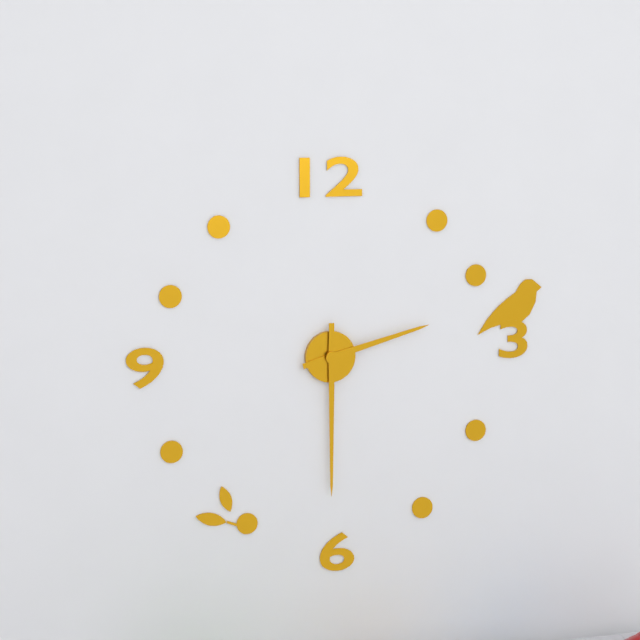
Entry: 2:30
